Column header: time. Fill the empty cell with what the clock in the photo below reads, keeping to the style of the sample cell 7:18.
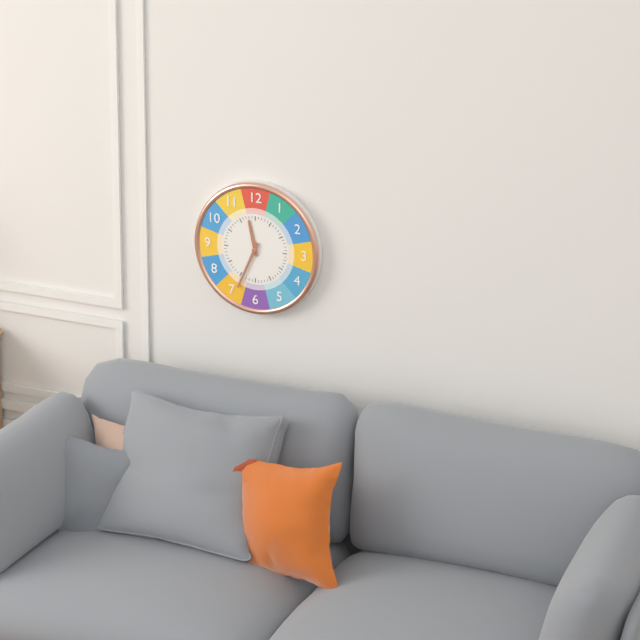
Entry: 11:34
